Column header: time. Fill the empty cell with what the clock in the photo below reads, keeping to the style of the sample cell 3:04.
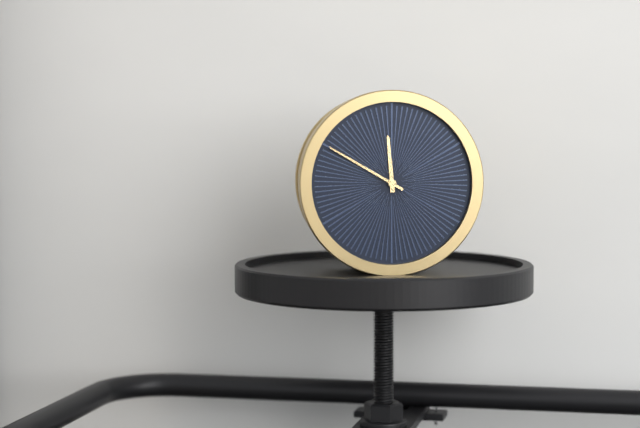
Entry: 11:50
